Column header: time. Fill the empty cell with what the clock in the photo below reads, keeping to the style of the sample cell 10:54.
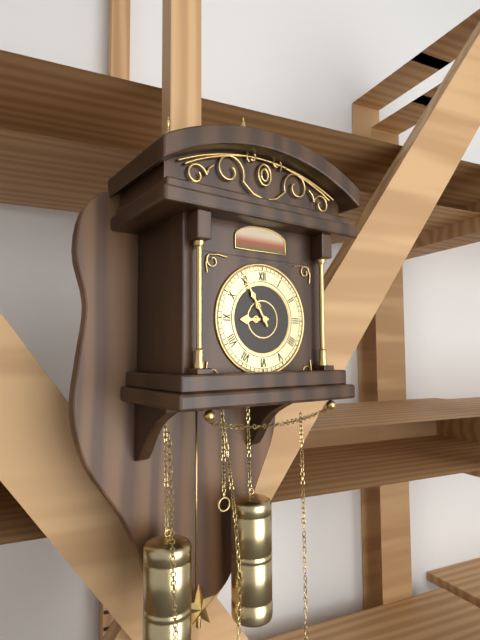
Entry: 8:55
